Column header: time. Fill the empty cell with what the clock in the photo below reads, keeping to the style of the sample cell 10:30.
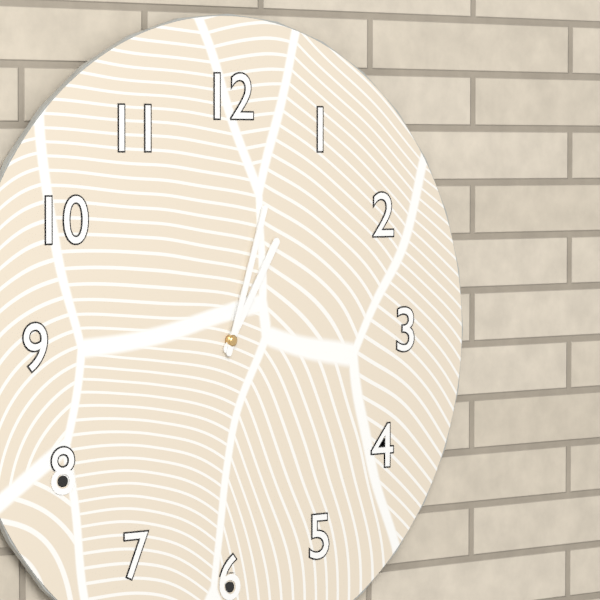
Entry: 1:03
